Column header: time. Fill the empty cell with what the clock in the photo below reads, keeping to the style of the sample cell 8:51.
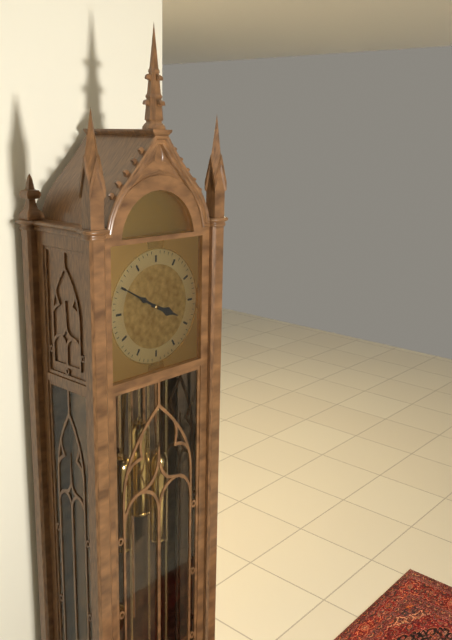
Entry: 3:50
